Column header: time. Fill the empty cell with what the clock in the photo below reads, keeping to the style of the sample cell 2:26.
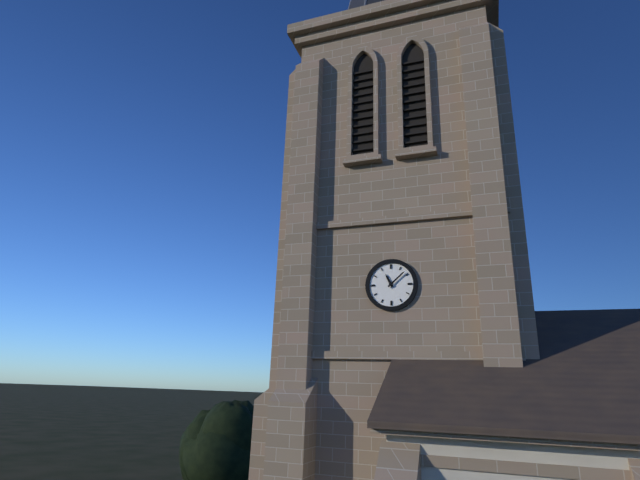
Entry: 11:08
